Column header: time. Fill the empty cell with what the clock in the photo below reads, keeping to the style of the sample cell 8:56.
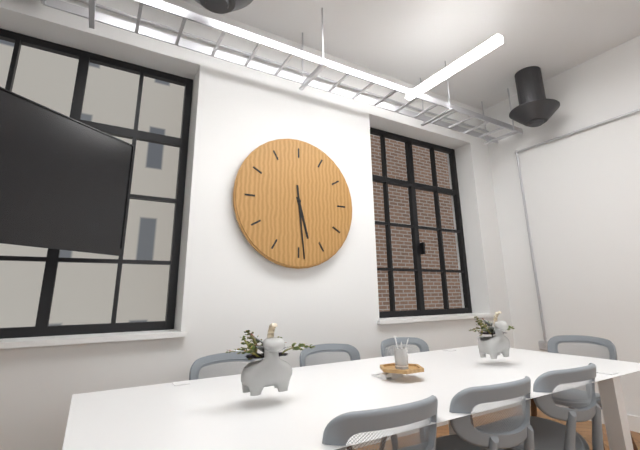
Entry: 5:29
